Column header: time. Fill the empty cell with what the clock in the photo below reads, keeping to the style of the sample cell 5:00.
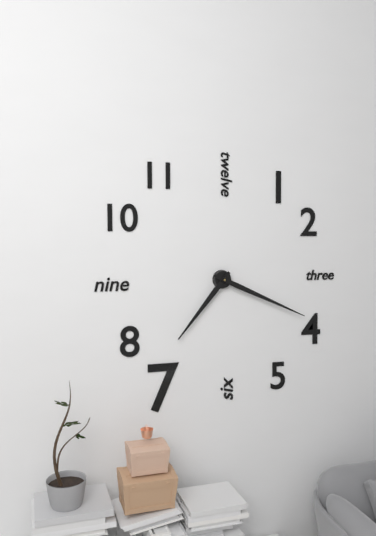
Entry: 7:19
